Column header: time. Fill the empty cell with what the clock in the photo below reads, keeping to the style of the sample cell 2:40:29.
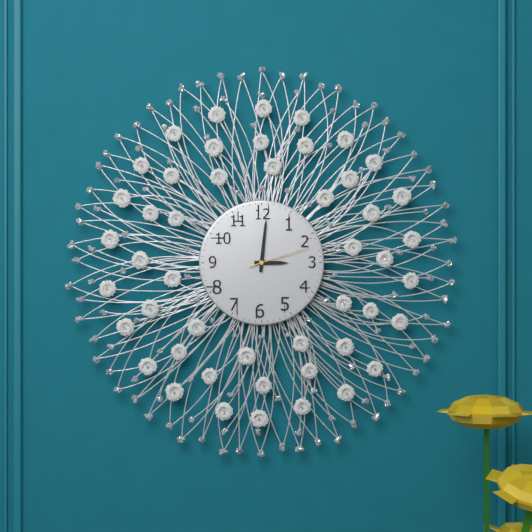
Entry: 3:01:12
